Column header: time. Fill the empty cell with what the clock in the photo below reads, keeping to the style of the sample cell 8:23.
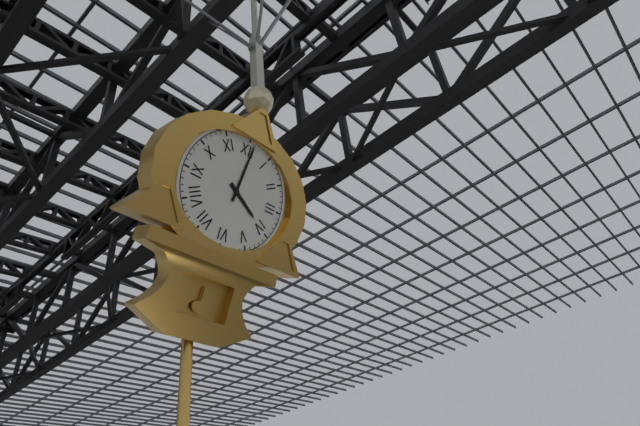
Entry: 4:01
